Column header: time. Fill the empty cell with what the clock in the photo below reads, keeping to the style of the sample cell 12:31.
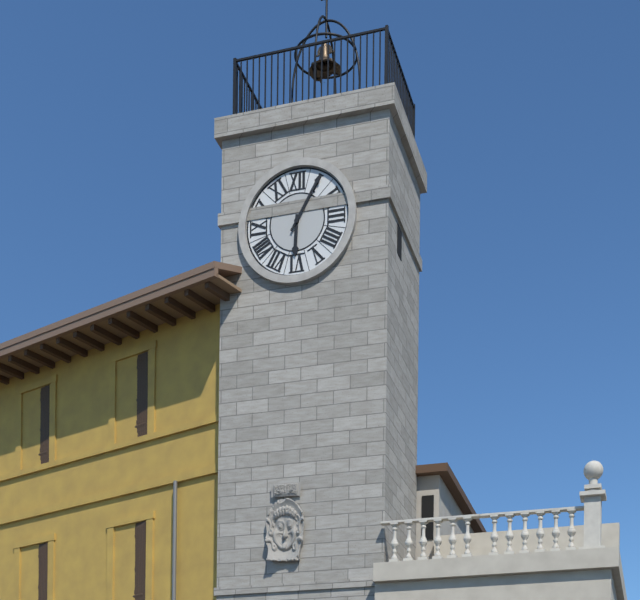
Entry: 6:05
